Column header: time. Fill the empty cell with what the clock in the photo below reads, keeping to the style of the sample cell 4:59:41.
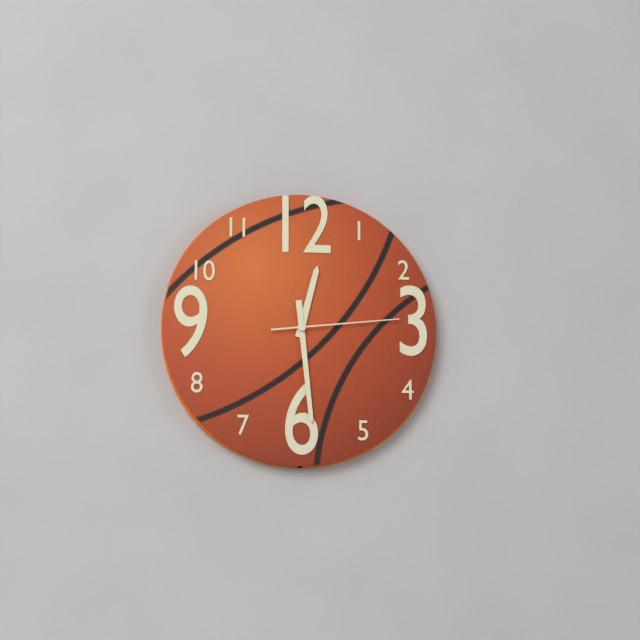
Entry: 12:29:14
